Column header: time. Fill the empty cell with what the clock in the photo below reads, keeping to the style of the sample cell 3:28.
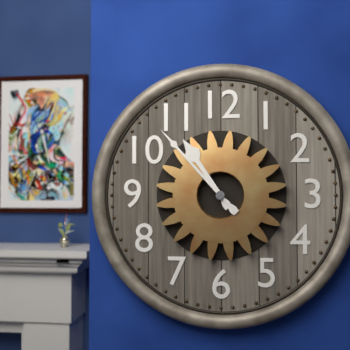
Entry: 10:53
